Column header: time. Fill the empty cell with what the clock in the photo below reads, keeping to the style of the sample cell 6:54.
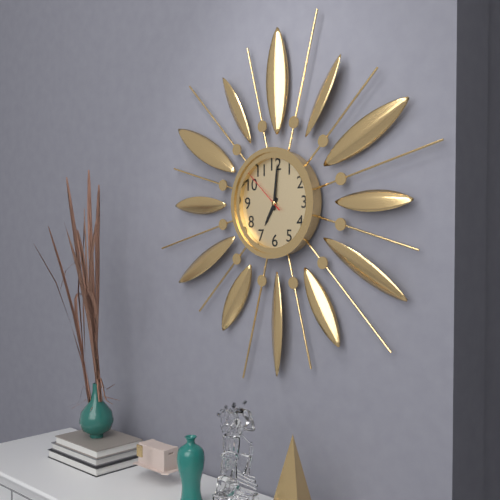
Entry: 7:01
